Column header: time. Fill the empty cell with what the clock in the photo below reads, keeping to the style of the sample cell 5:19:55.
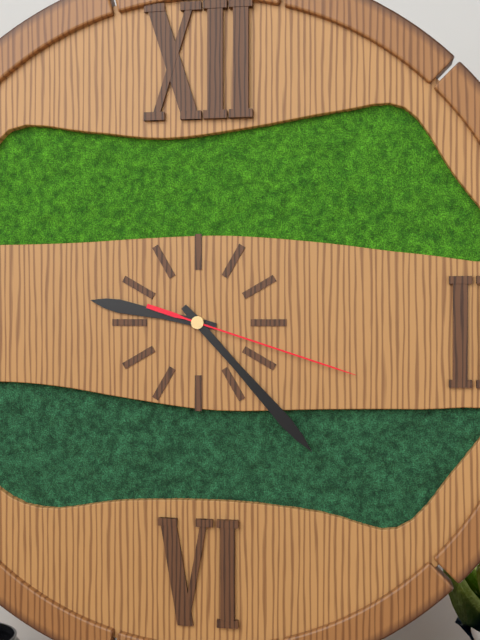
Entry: 9:23:18
